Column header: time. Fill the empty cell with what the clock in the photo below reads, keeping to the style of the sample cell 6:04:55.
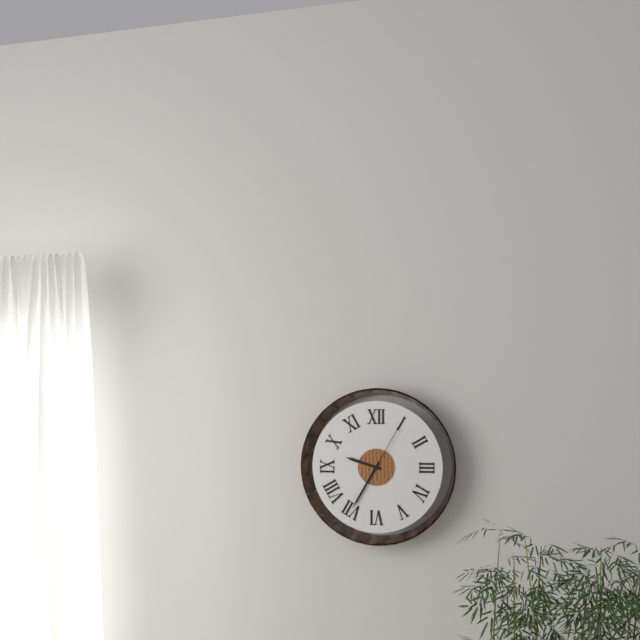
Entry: 9:35:05
